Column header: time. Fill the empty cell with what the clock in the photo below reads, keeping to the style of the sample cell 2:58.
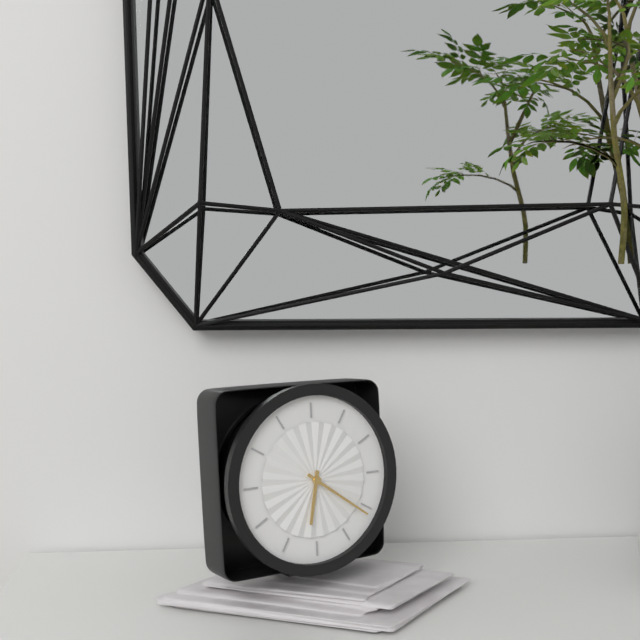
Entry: 6:21
